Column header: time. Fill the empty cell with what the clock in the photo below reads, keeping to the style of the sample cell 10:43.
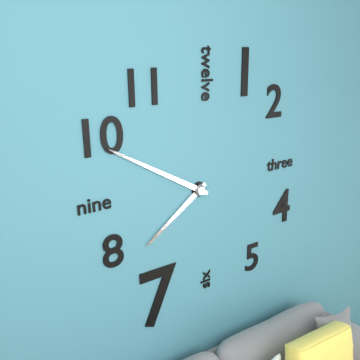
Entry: 7:50
